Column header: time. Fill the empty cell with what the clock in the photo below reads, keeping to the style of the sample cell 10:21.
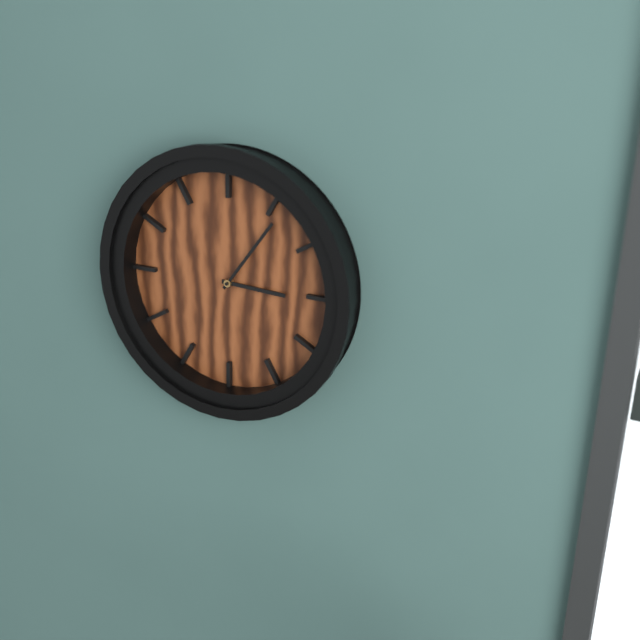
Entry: 3:06
